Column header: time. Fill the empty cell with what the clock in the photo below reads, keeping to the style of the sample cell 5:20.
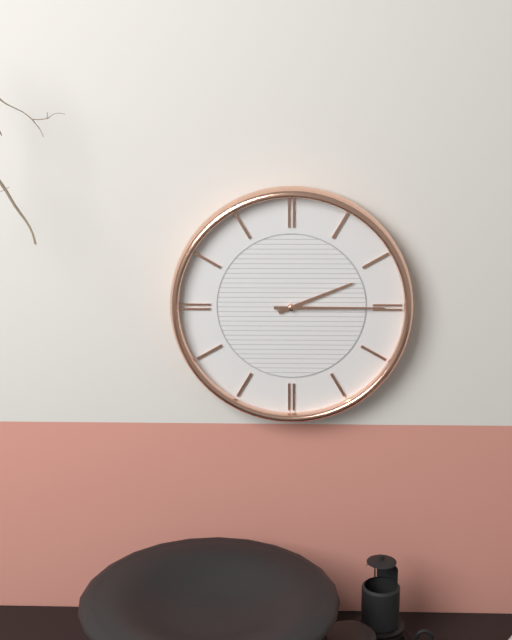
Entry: 2:15
